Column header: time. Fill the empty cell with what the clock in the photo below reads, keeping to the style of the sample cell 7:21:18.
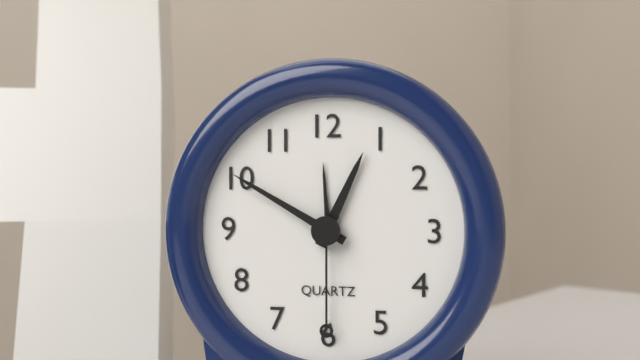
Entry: 12:50:30
